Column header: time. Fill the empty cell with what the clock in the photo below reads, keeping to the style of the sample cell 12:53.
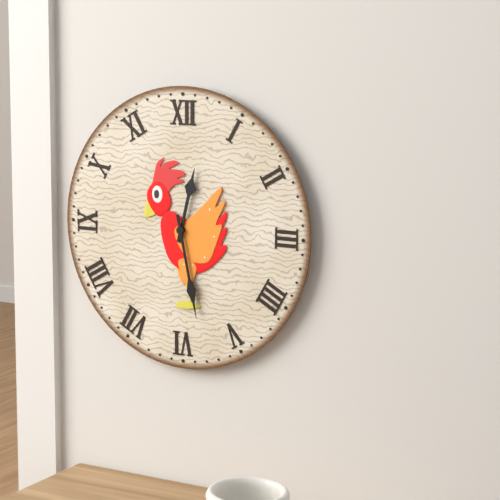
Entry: 12:28
